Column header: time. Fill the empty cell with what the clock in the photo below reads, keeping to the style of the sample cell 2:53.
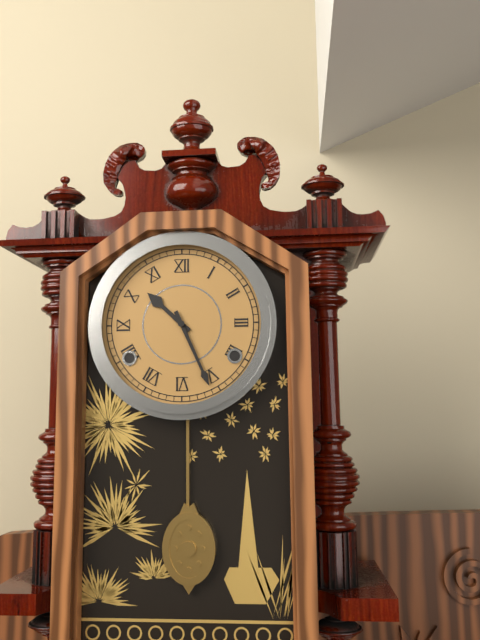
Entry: 10:26
